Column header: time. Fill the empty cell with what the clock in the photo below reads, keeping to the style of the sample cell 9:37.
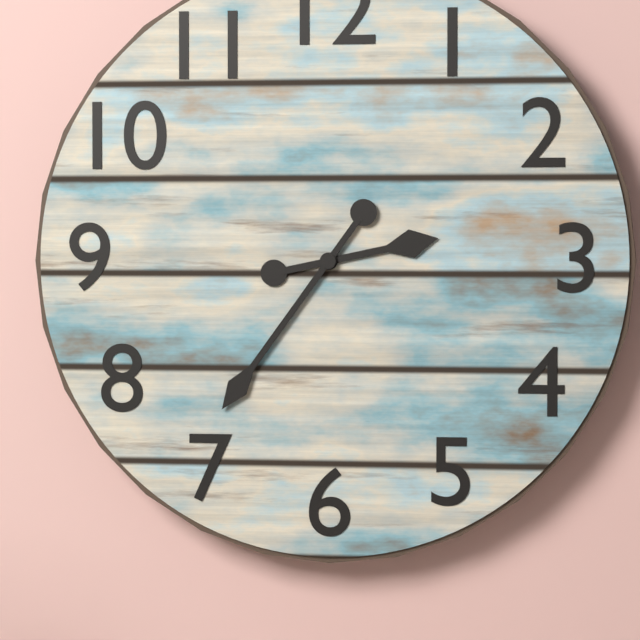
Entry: 2:36
